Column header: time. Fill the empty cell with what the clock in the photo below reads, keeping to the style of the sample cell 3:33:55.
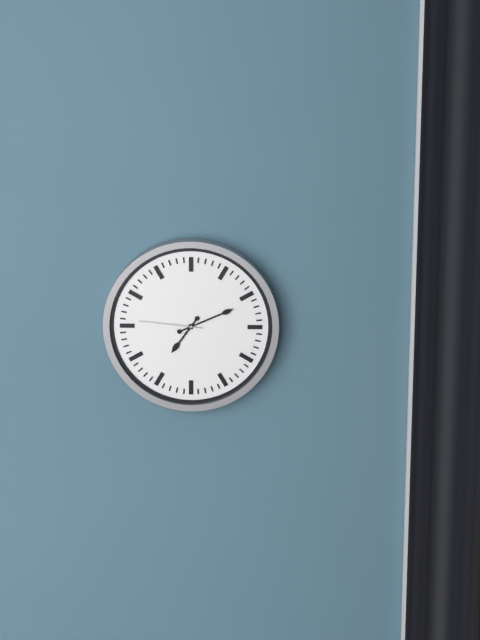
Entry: 7:11:46
